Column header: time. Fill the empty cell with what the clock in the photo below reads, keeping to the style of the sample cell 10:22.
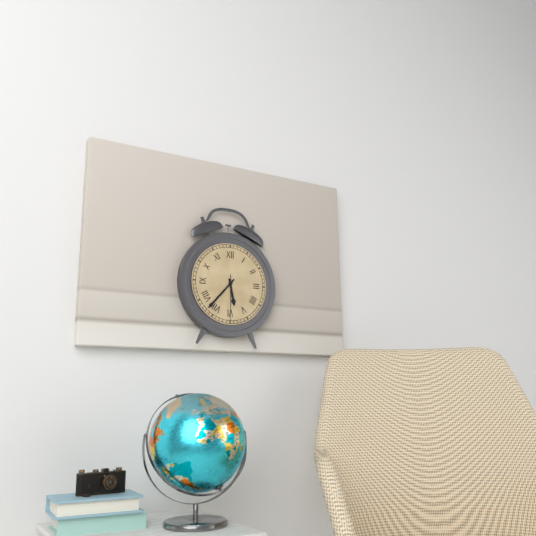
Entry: 5:37
